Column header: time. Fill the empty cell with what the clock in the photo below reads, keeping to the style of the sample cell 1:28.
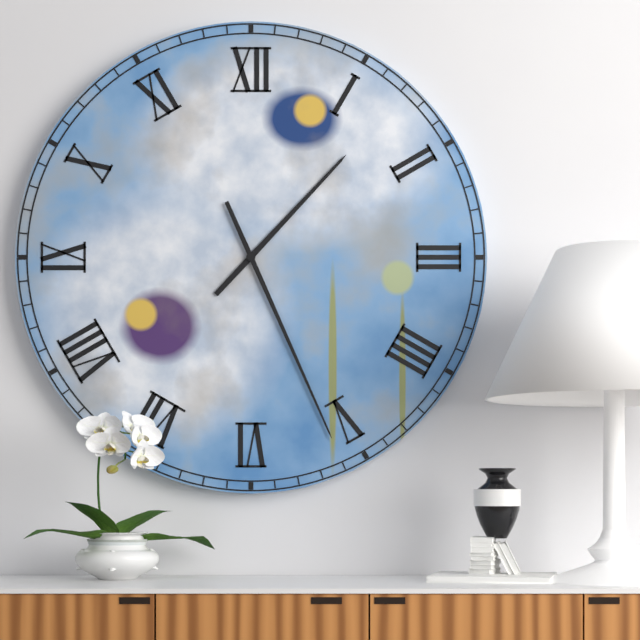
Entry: 1:26
